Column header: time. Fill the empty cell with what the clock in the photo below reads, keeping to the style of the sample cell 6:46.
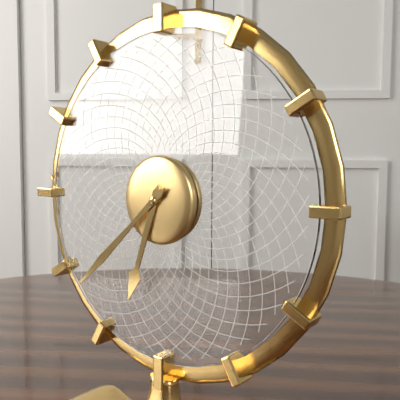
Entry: 6:38
